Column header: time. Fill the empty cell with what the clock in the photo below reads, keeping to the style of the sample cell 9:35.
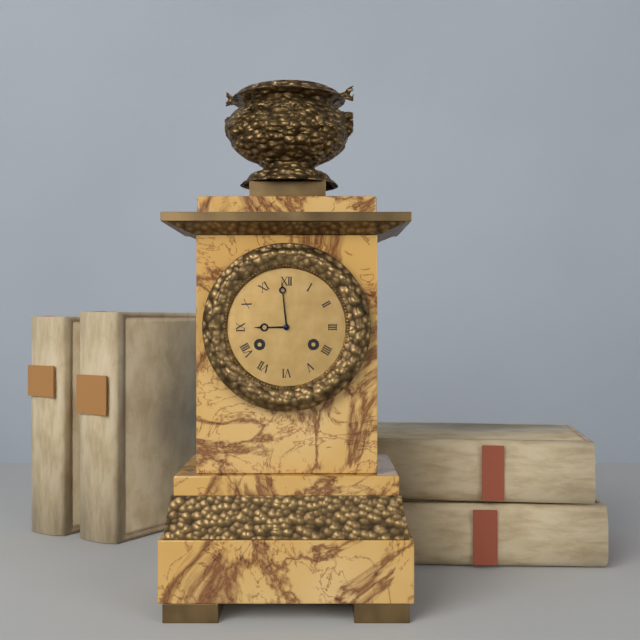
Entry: 8:59
